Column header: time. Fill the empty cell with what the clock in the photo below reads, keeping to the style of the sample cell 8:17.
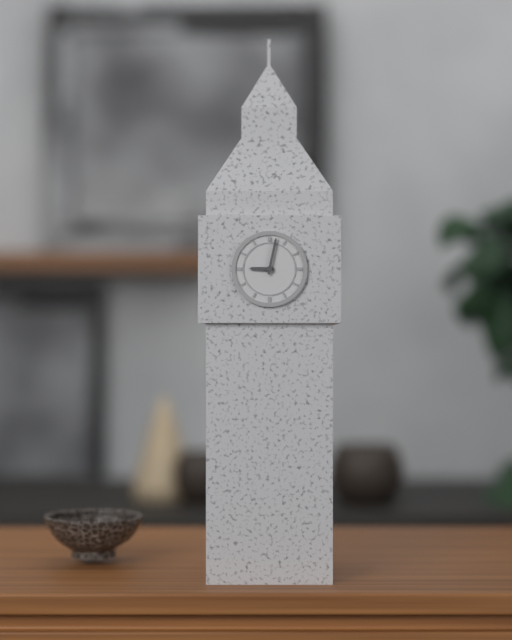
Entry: 9:02
